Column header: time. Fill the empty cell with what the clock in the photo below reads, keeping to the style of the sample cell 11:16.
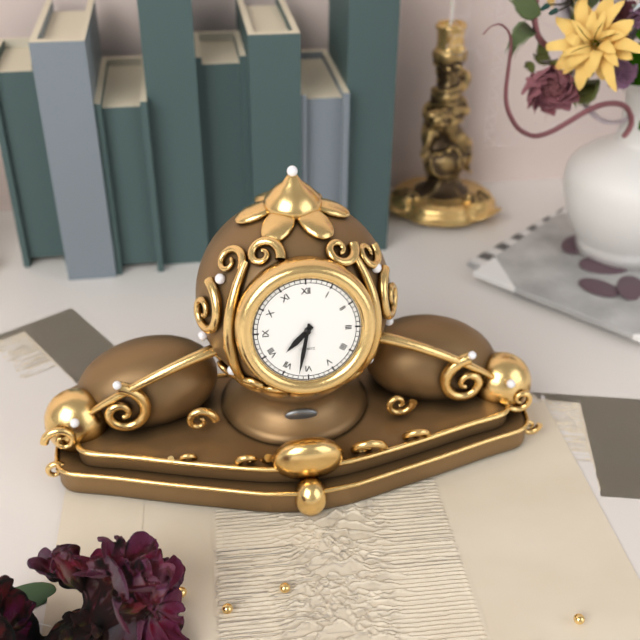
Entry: 7:32
